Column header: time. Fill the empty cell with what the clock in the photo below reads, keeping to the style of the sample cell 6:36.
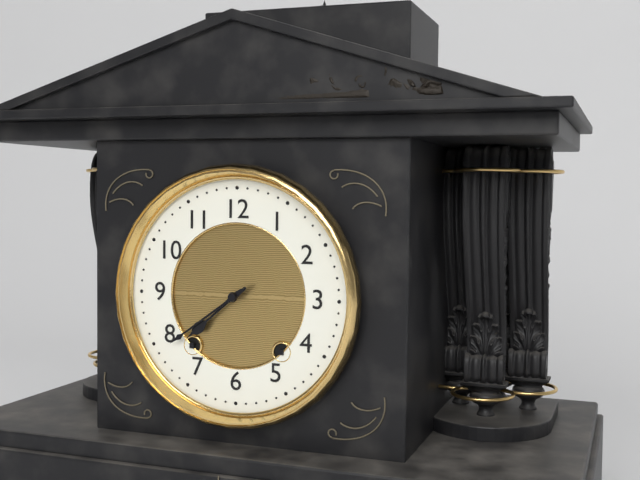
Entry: 7:39
